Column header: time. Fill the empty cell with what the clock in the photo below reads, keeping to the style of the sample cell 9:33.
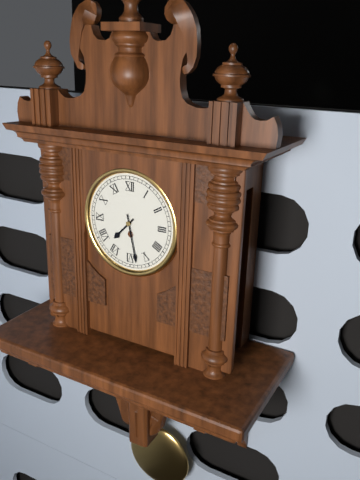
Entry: 7:28
